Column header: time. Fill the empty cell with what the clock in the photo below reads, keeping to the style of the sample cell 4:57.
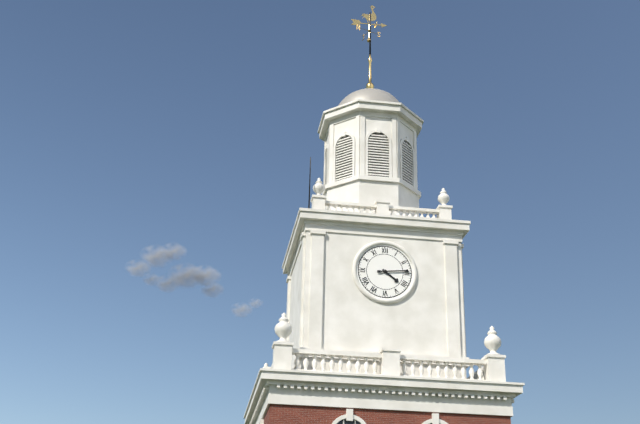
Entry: 4:14
